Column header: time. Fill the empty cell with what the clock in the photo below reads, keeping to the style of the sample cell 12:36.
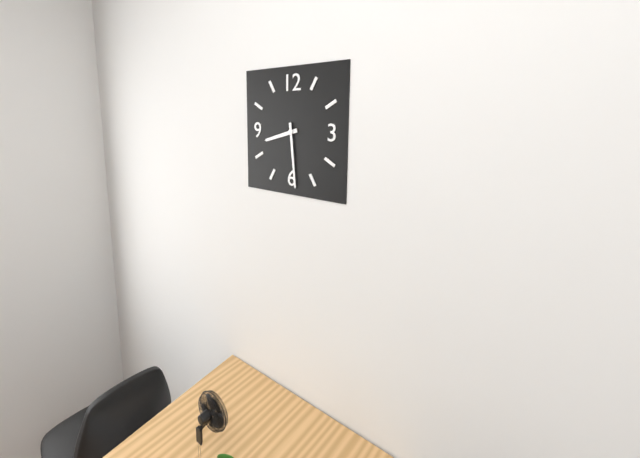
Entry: 8:29
